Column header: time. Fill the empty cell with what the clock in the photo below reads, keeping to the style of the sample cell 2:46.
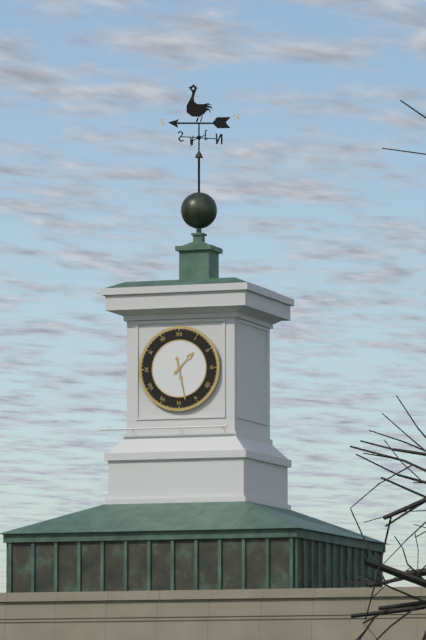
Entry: 1:28
